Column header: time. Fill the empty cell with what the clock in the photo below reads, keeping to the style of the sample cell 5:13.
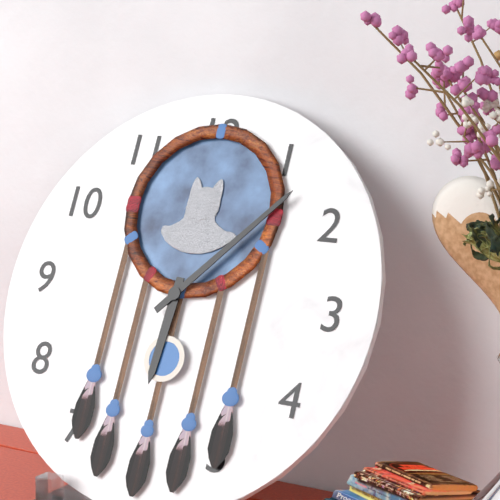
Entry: 6:07
